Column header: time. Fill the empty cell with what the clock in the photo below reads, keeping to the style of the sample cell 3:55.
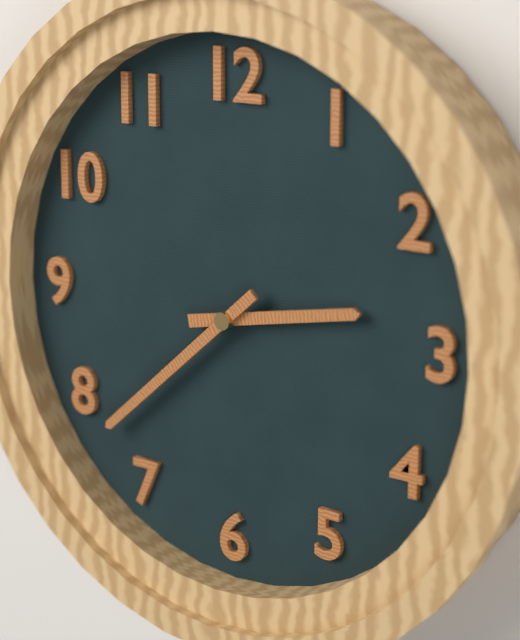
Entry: 2:38
